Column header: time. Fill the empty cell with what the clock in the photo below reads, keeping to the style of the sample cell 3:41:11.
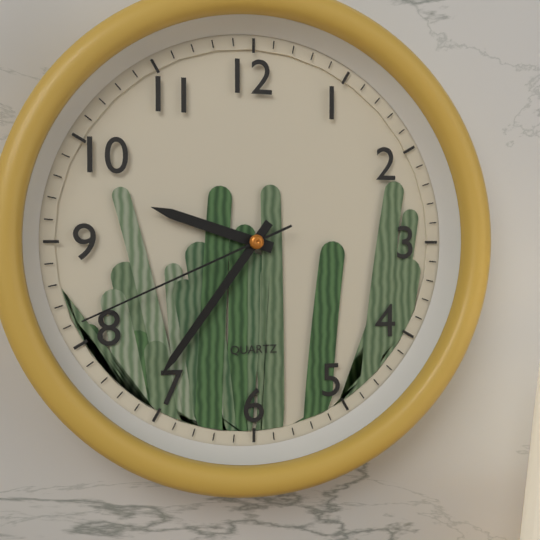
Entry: 9:36:41
